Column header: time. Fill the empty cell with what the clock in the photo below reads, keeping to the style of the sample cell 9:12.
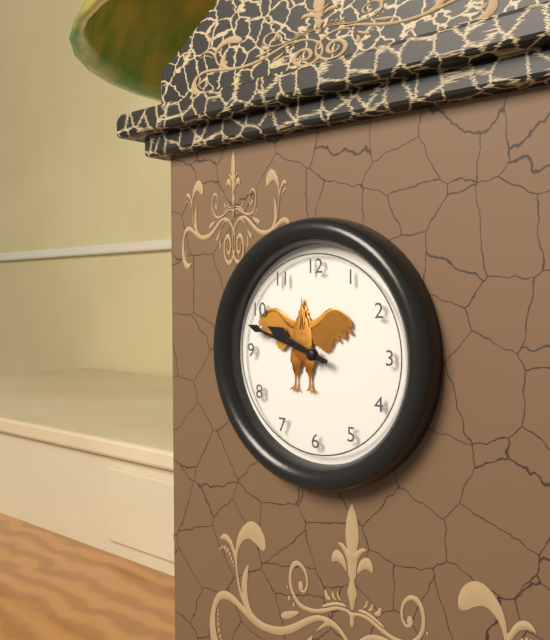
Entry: 9:48
